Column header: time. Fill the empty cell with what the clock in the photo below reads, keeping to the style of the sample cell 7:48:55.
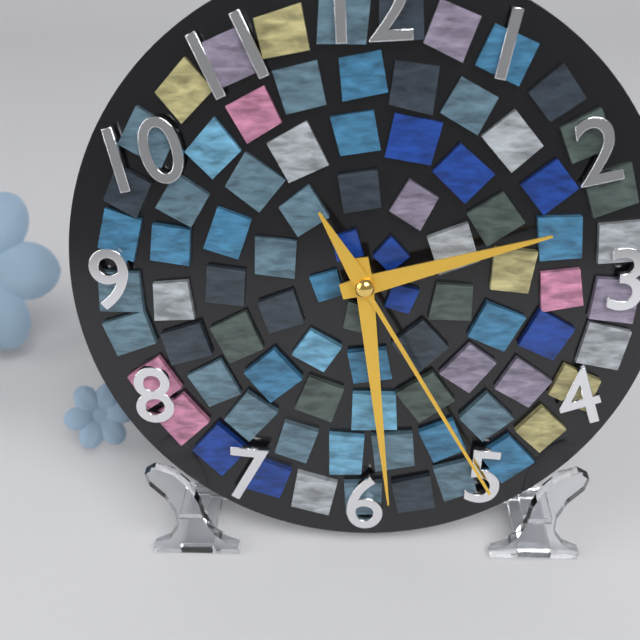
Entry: 2:29:25
